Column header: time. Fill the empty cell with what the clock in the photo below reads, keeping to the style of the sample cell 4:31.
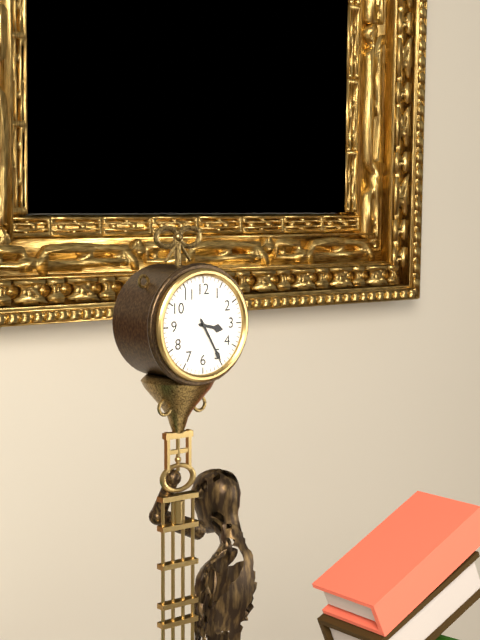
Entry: 3:25
